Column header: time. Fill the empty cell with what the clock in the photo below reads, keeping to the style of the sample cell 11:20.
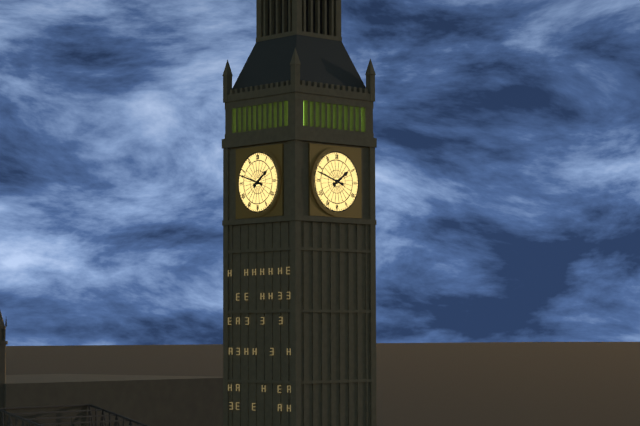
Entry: 1:48
